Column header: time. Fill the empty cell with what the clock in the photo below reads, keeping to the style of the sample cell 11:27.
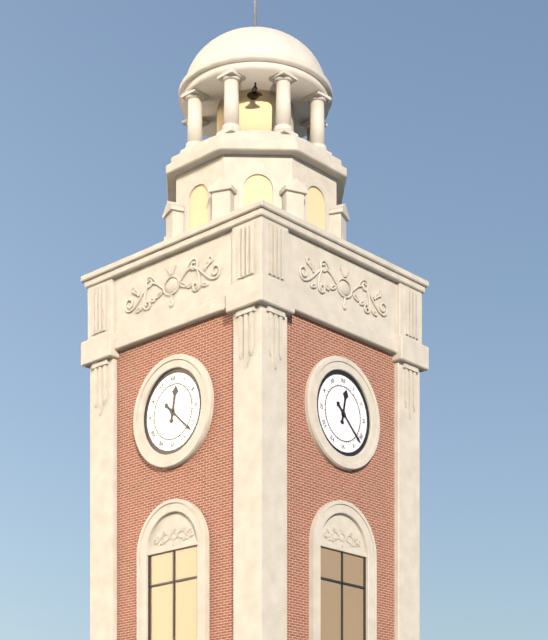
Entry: 12:22
